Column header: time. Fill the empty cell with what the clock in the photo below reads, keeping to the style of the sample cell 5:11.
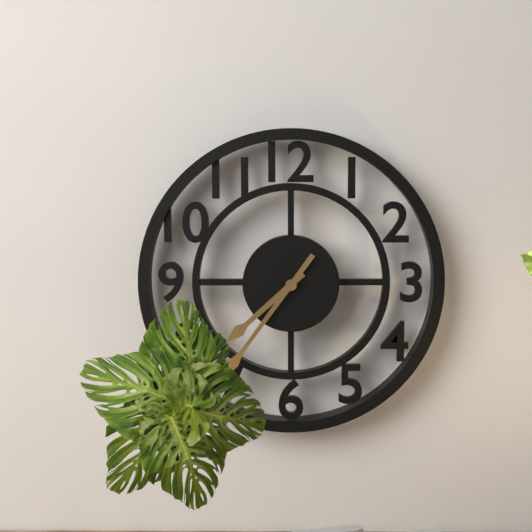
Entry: 7:36
